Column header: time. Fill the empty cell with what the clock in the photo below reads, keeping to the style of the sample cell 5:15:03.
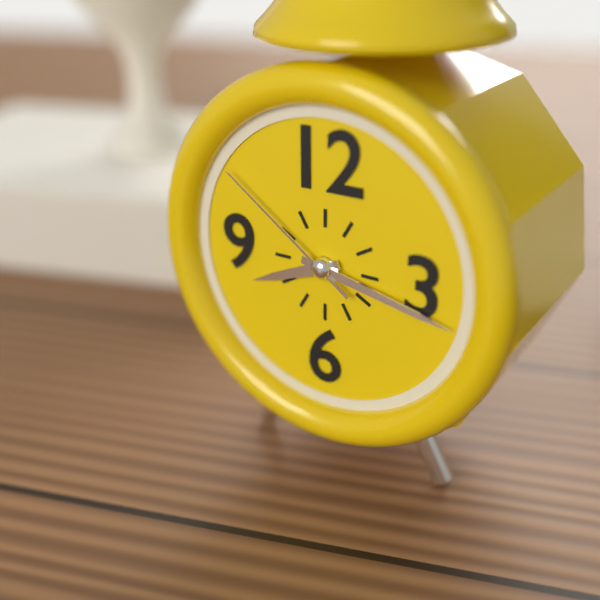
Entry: 8:17:51
